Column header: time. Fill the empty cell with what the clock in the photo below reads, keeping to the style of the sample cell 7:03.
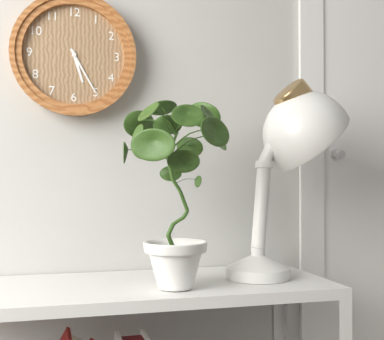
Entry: 5:25
